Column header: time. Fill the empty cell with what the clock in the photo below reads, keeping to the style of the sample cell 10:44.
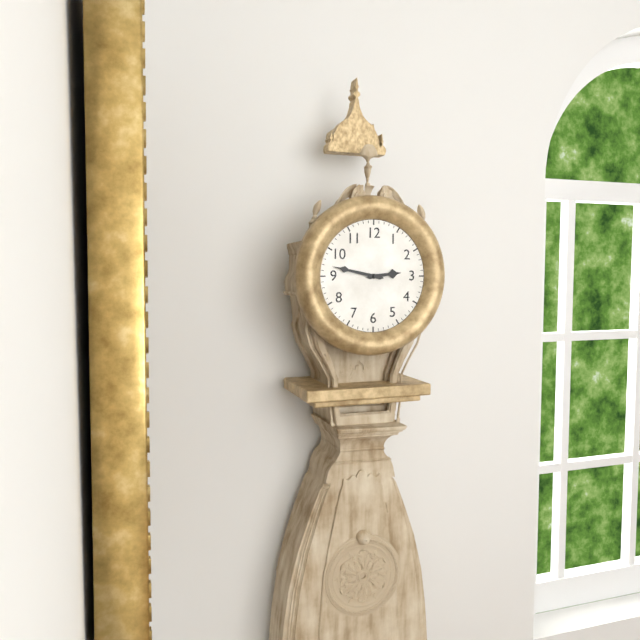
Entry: 2:47
